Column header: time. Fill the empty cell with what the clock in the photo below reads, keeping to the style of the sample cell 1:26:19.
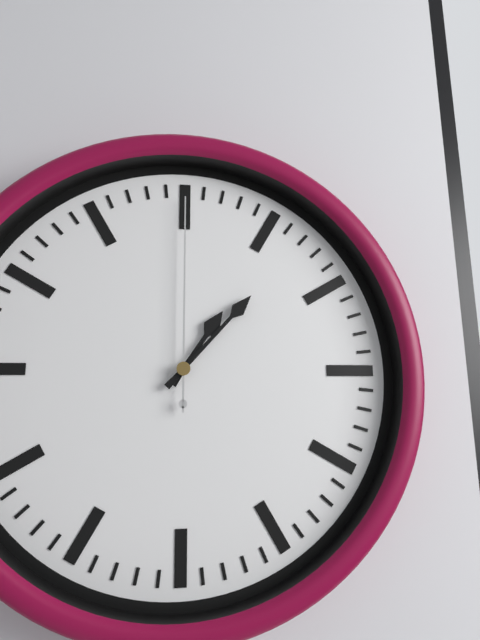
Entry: 1:07:00
